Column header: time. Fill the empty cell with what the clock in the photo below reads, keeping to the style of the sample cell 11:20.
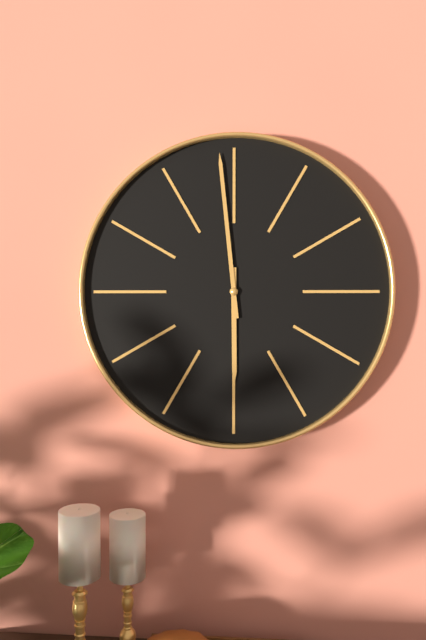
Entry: 5:59
